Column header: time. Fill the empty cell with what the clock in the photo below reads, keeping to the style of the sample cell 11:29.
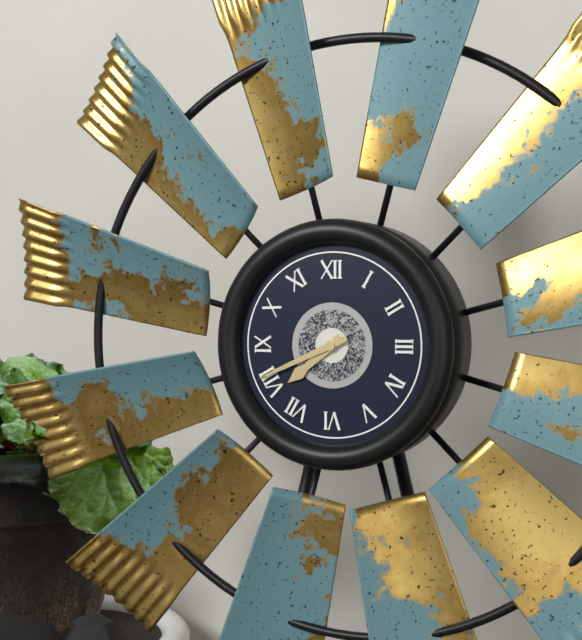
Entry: 7:41
